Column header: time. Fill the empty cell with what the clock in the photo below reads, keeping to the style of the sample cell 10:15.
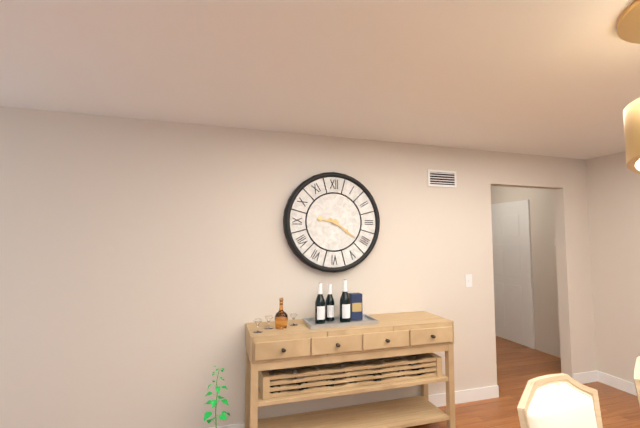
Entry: 9:21
